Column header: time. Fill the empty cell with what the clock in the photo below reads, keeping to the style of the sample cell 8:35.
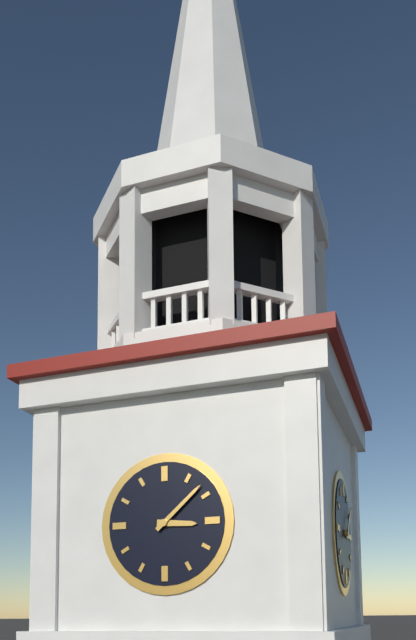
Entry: 3:08
